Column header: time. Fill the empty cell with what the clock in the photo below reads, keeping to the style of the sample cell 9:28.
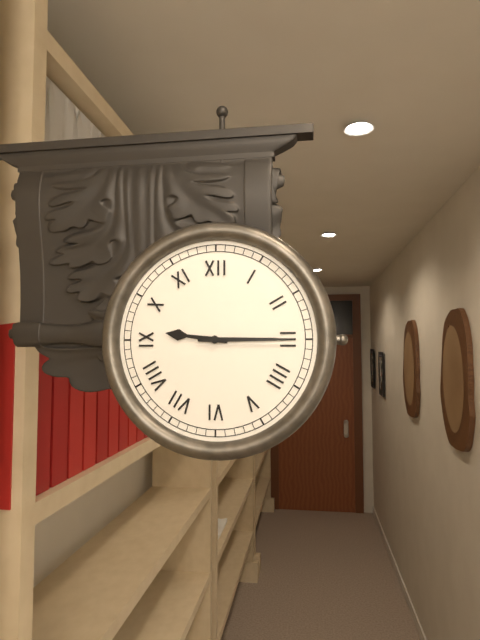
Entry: 9:15
